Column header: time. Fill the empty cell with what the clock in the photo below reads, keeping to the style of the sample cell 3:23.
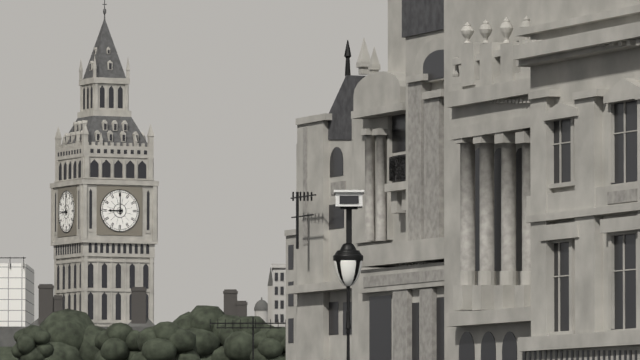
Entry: 9:00
